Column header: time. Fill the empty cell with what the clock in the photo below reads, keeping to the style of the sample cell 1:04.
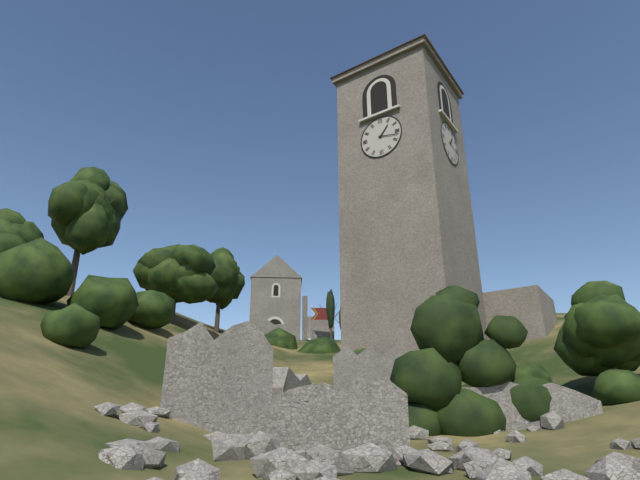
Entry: 1:17
